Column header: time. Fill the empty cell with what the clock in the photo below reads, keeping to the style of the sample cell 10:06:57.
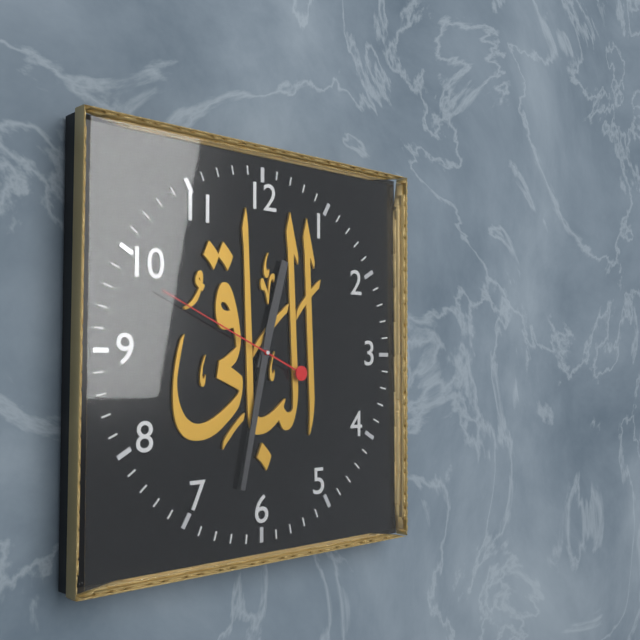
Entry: 12:32:49
